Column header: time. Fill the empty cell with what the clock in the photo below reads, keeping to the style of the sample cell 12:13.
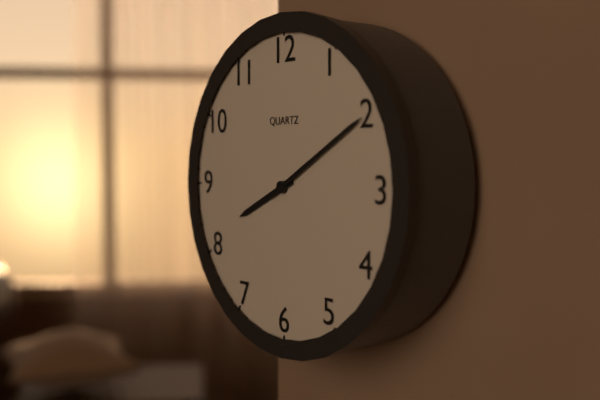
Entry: 8:10
